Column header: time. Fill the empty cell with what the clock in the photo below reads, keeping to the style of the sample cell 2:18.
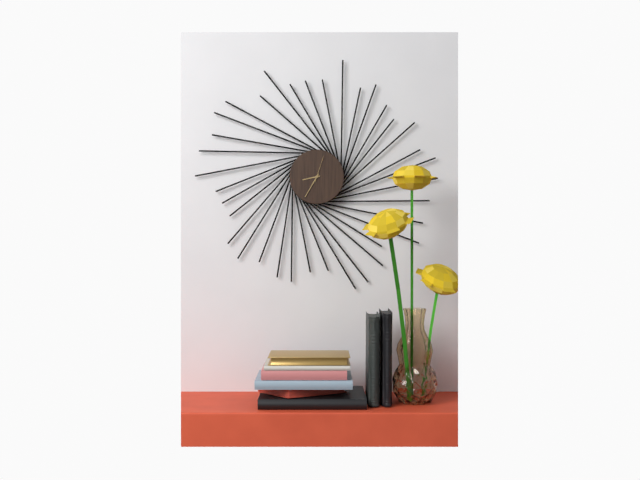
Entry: 8:35
